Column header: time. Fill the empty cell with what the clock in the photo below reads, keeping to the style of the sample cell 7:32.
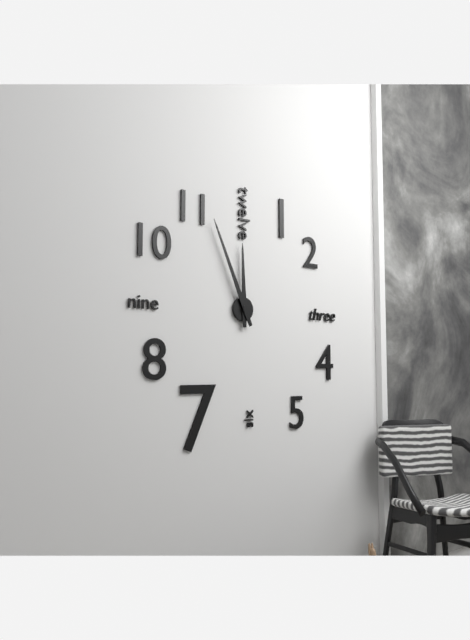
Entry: 11:56
